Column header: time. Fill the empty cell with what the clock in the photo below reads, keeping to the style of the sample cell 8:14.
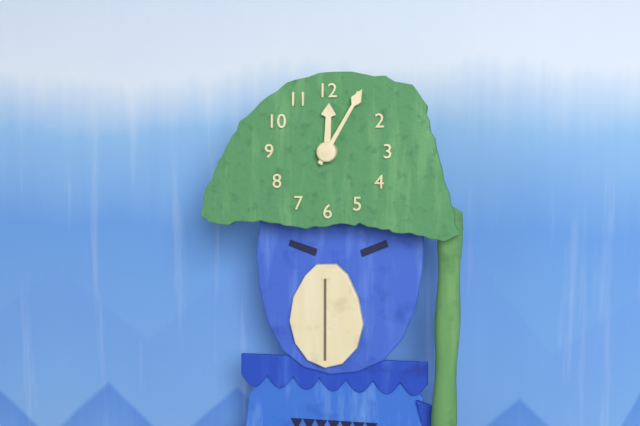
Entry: 12:05
